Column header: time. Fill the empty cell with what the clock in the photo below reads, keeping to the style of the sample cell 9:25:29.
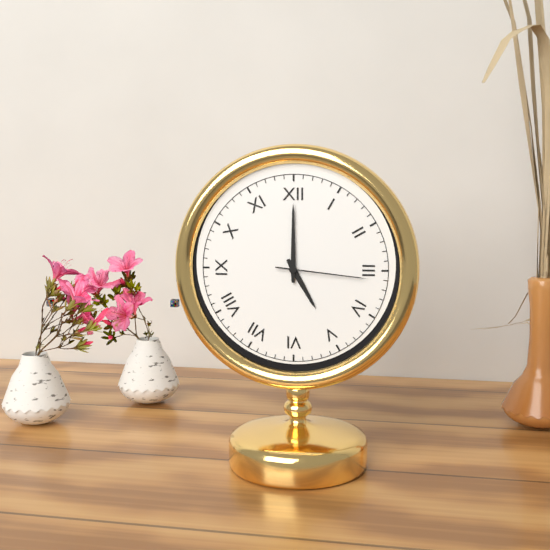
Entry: 5:00:16
